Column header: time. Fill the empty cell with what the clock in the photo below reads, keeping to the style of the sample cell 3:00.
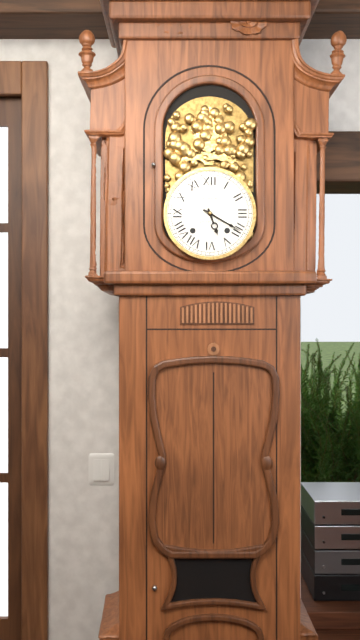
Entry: 5:20
